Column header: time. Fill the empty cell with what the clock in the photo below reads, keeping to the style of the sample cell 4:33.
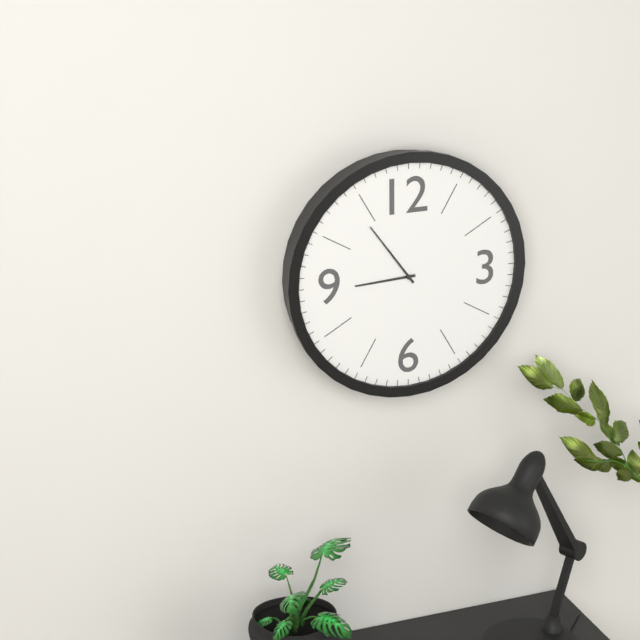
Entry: 8:54
